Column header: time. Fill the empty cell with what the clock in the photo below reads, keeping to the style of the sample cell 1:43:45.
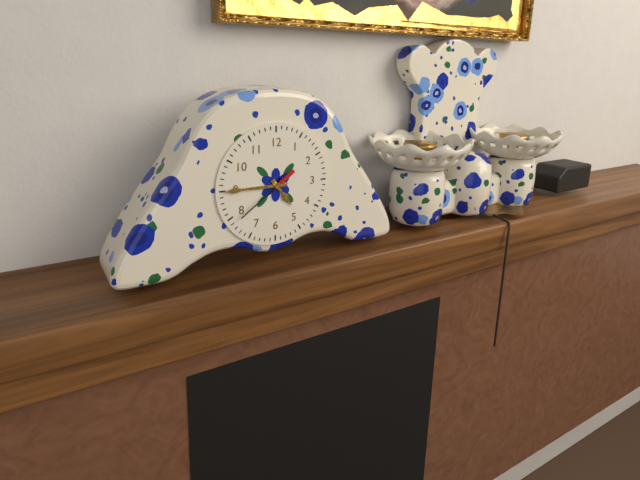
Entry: 4:45:39
